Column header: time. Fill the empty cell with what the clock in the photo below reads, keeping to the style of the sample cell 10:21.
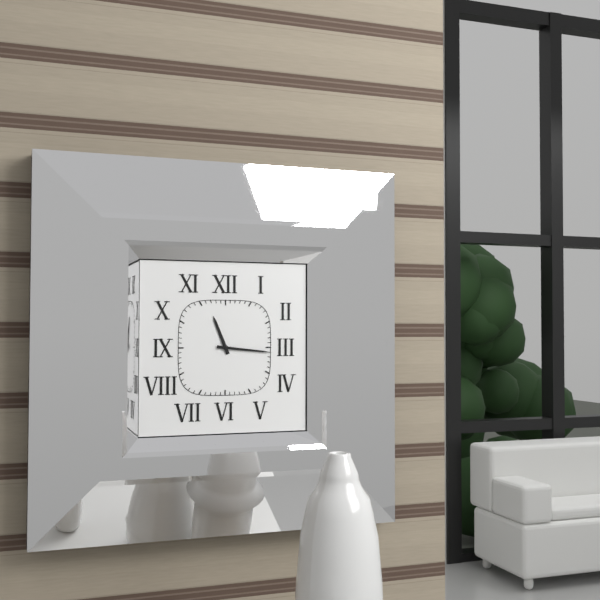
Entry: 11:16
